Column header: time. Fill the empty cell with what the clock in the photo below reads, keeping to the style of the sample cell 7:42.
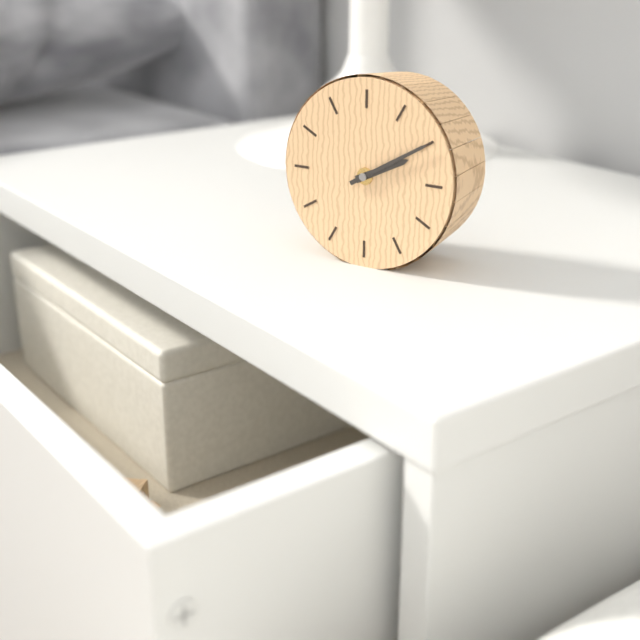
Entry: 2:10
